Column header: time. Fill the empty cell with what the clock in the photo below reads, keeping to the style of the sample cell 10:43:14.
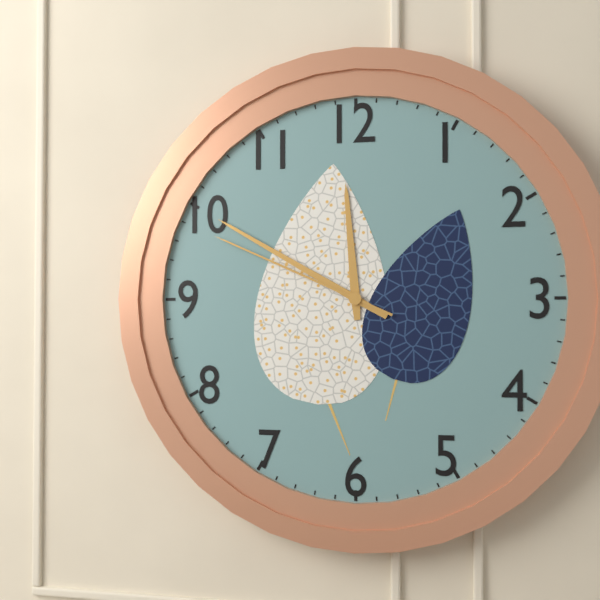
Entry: 11:50:49
